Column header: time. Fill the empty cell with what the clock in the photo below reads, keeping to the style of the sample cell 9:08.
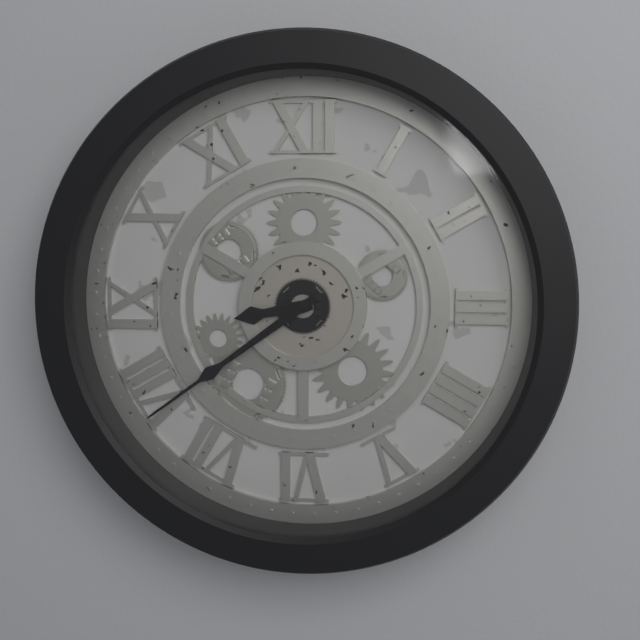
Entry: 8:39
